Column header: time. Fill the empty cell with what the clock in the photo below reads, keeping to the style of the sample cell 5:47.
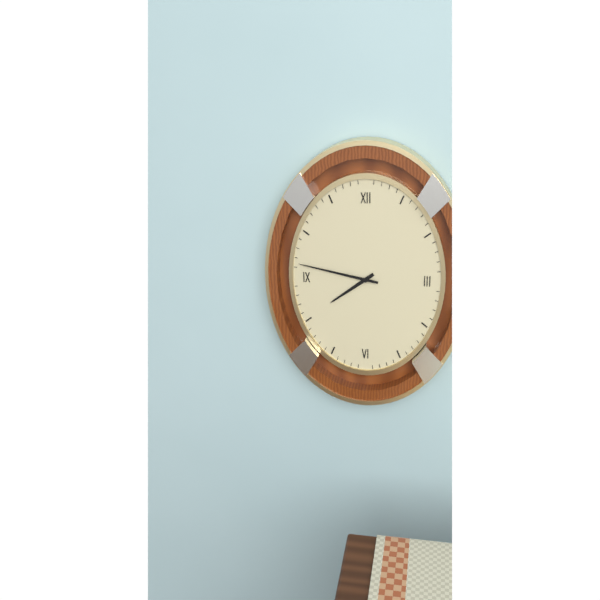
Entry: 7:47
